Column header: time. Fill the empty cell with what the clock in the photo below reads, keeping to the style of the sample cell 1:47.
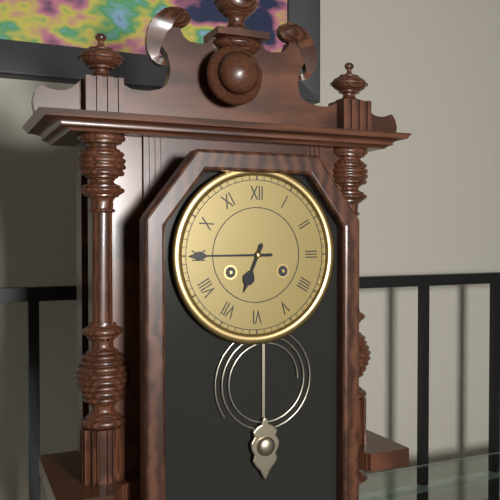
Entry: 6:45
